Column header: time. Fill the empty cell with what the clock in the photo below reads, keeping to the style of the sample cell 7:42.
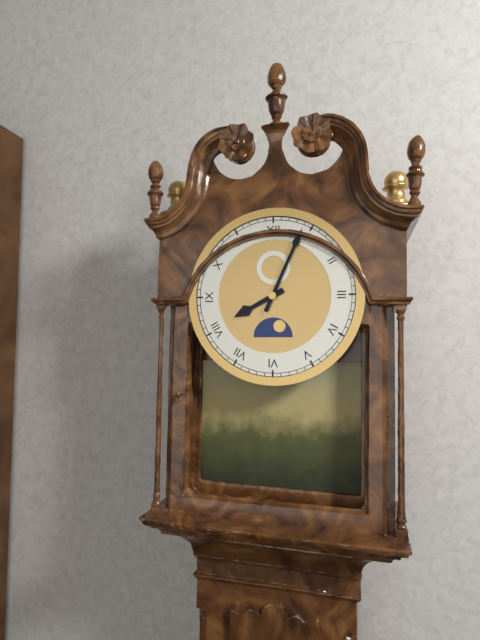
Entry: 8:04
